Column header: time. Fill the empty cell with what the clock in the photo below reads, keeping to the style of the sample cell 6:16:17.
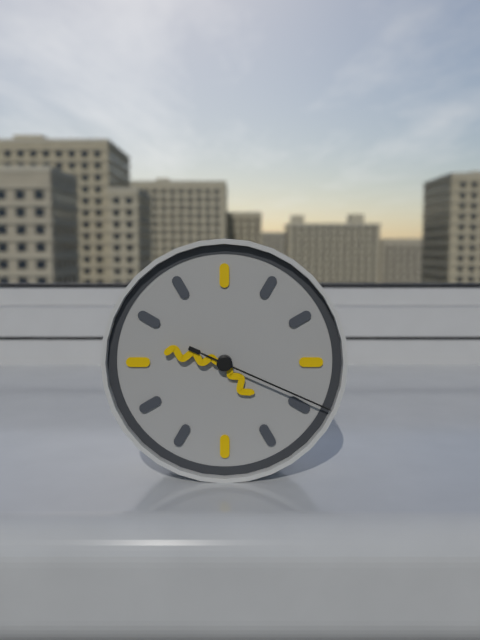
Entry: 4:47:19
